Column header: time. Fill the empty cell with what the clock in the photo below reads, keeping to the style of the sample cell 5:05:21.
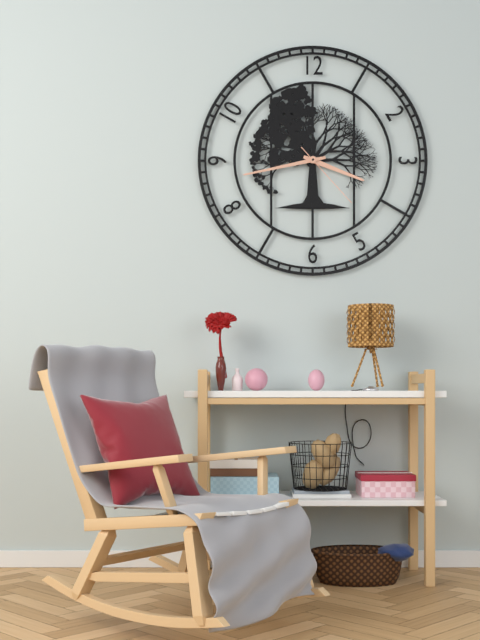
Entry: 3:43:23
